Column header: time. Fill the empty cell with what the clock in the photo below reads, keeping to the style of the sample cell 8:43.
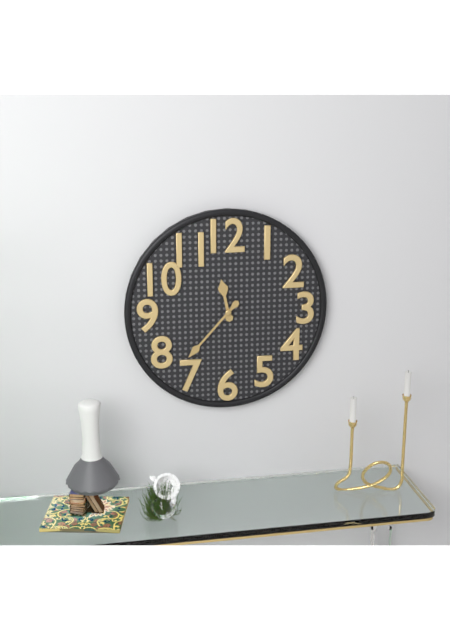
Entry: 11:37
